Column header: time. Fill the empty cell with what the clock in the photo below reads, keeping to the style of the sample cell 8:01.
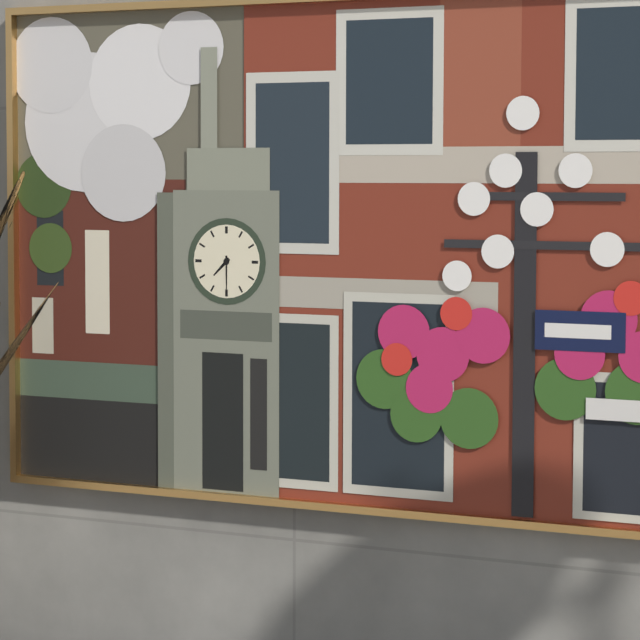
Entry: 7:30
